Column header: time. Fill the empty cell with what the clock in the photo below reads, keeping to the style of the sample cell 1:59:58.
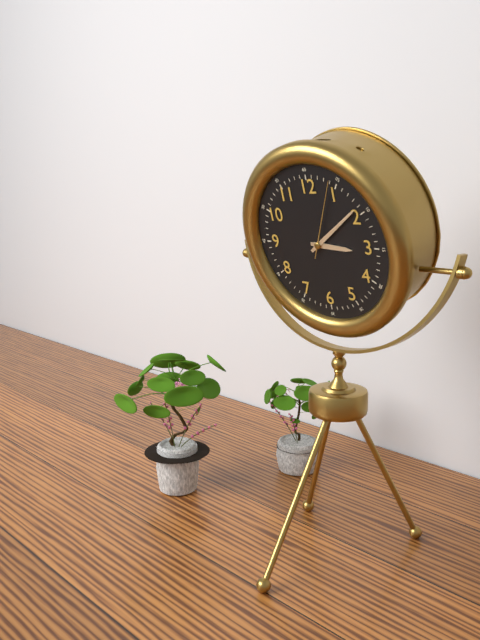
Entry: 3:09:04
